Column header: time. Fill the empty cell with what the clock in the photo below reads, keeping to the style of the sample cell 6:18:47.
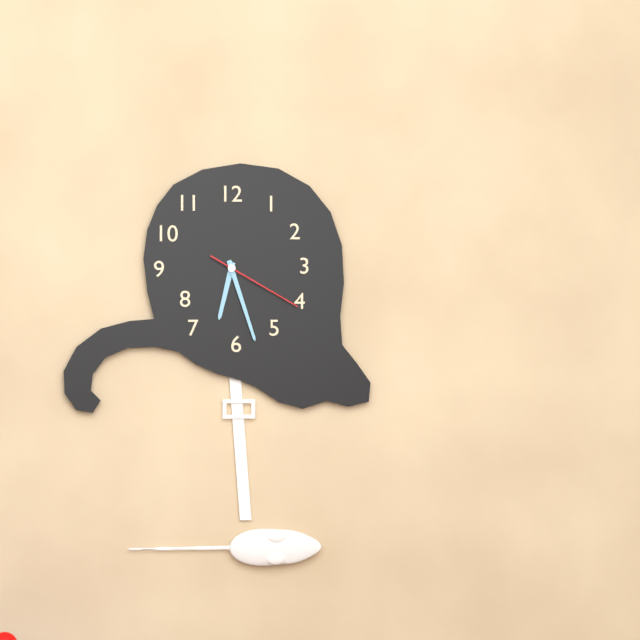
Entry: 6:27:20
